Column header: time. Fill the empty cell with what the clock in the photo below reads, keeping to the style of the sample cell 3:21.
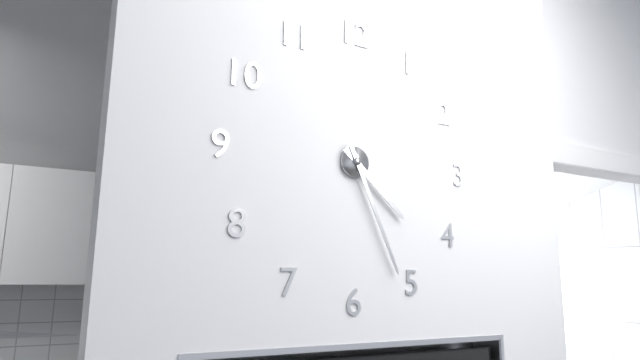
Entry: 4:26
